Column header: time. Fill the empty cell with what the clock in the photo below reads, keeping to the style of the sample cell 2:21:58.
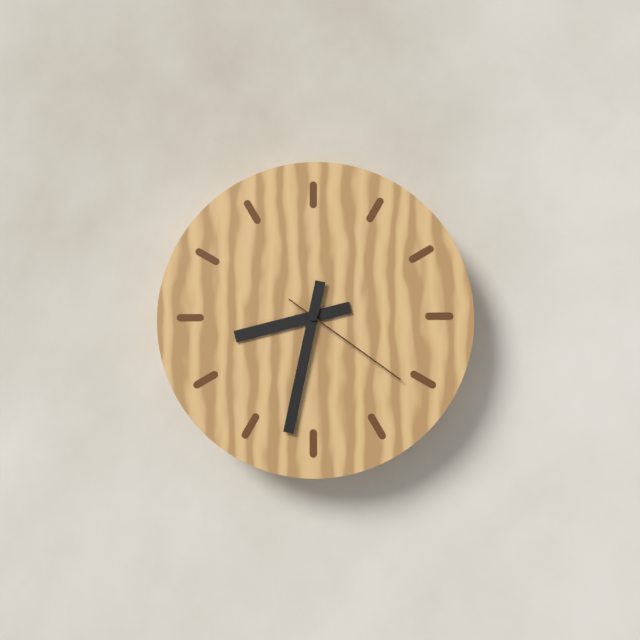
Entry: 8:32:21
